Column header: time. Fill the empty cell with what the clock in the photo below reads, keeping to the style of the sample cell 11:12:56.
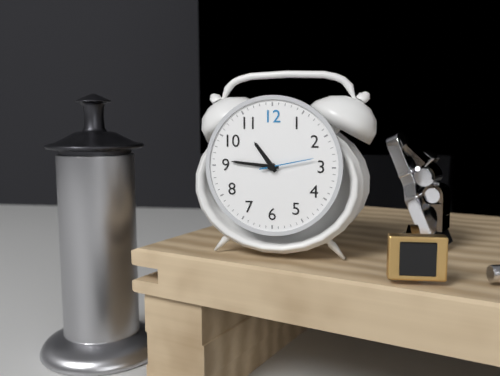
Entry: 10:46:13
